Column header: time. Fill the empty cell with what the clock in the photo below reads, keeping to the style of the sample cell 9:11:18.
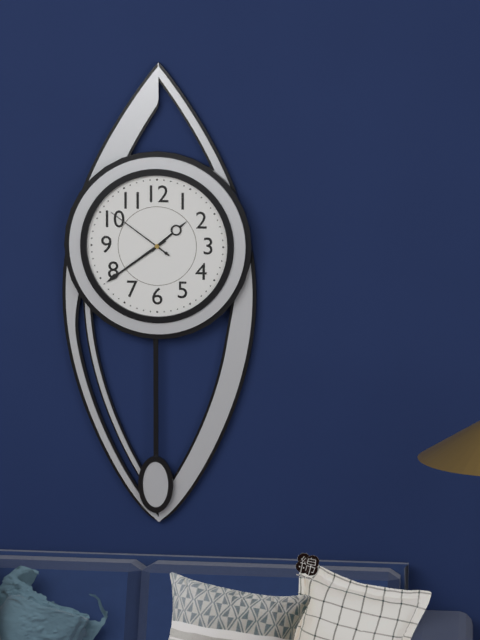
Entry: 1:39:51
